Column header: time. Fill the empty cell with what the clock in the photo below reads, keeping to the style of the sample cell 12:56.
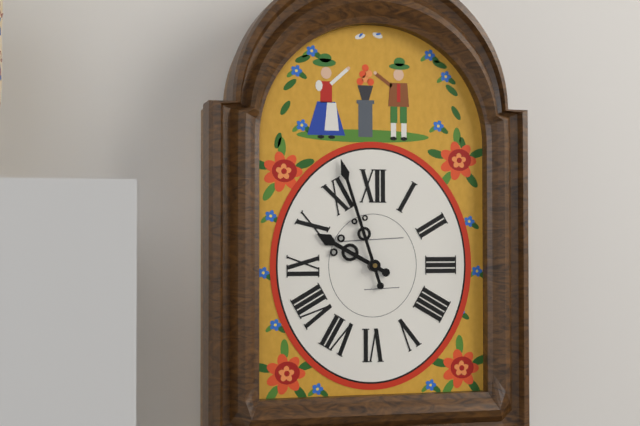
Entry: 9:57
